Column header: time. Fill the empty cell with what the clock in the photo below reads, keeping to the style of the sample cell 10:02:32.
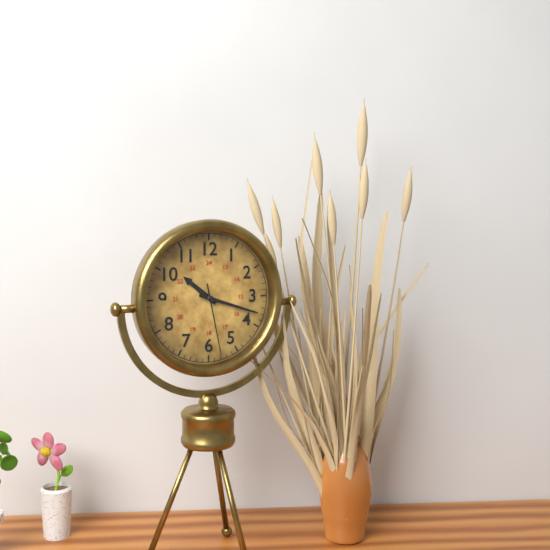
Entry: 10:18:28
